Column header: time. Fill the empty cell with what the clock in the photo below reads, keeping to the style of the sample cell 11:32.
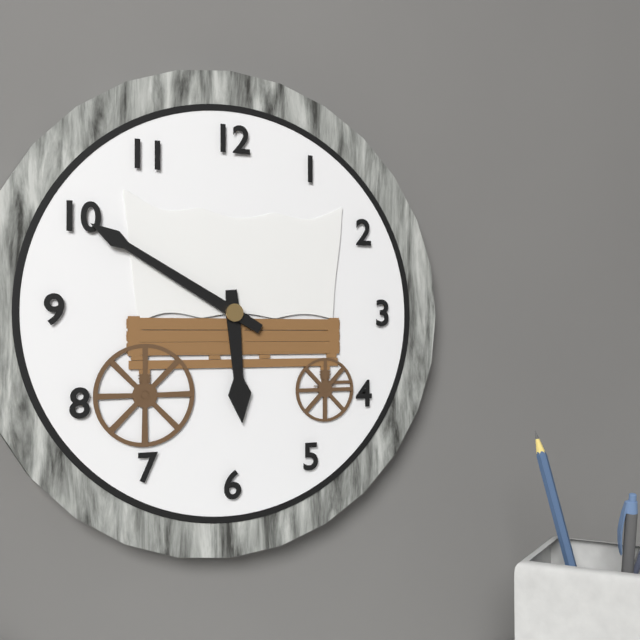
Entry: 5:50
